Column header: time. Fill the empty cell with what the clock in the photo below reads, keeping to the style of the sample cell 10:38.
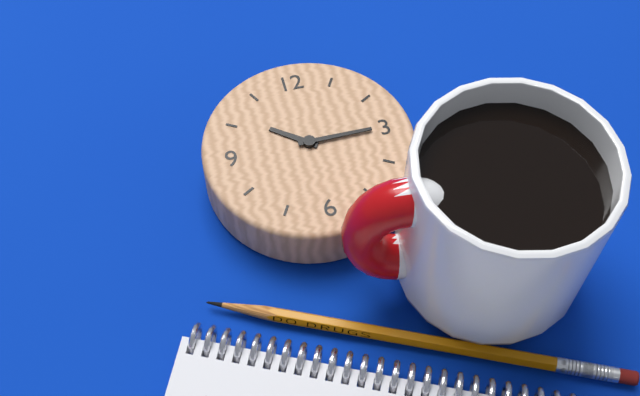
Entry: 10:15
